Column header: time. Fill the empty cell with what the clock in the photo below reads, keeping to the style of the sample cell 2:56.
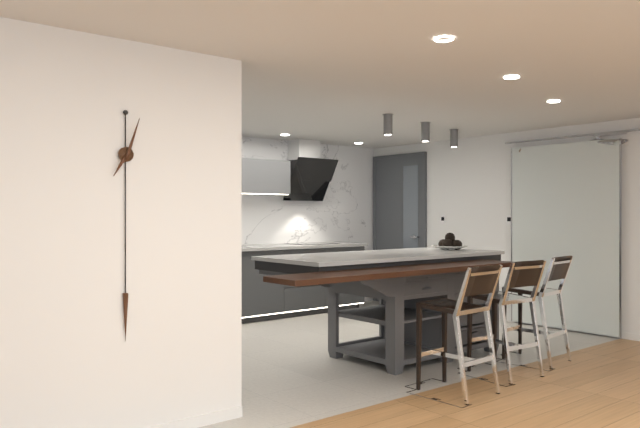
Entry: 7:03
